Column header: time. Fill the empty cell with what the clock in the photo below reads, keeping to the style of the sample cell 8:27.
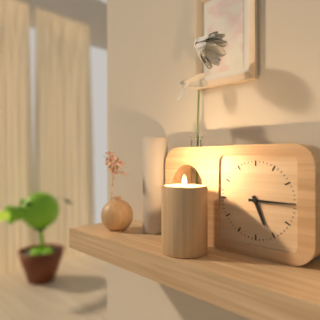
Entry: 5:15
